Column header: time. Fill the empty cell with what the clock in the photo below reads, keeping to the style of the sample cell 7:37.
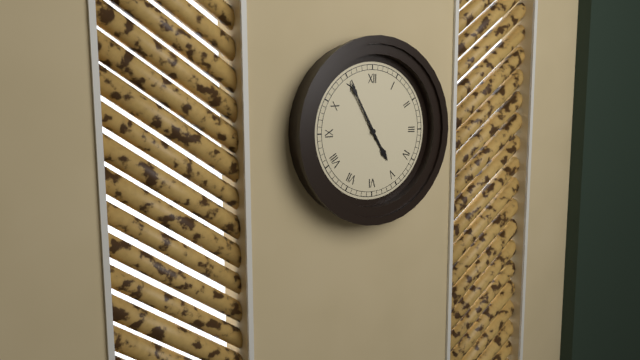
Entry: 4:55
